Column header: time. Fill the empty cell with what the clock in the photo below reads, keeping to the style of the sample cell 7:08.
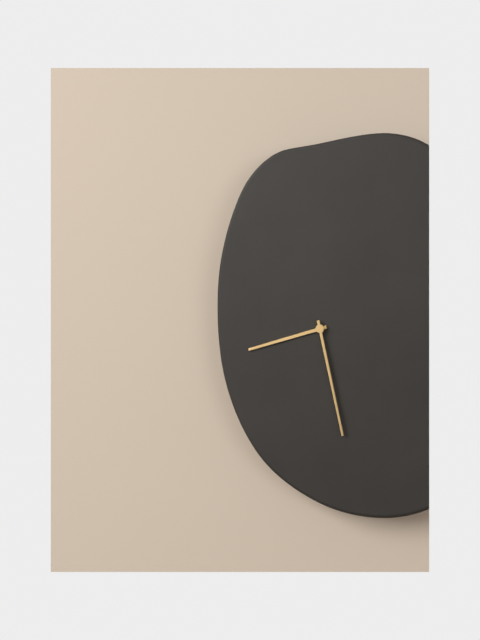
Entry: 8:28
